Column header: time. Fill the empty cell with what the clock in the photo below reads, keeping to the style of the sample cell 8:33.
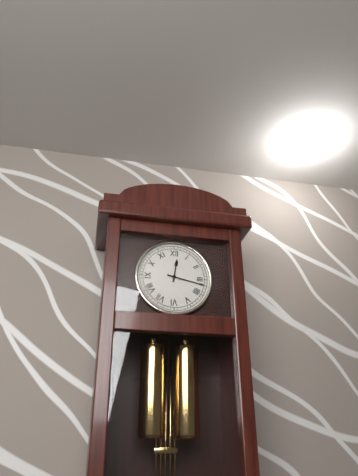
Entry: 12:17
